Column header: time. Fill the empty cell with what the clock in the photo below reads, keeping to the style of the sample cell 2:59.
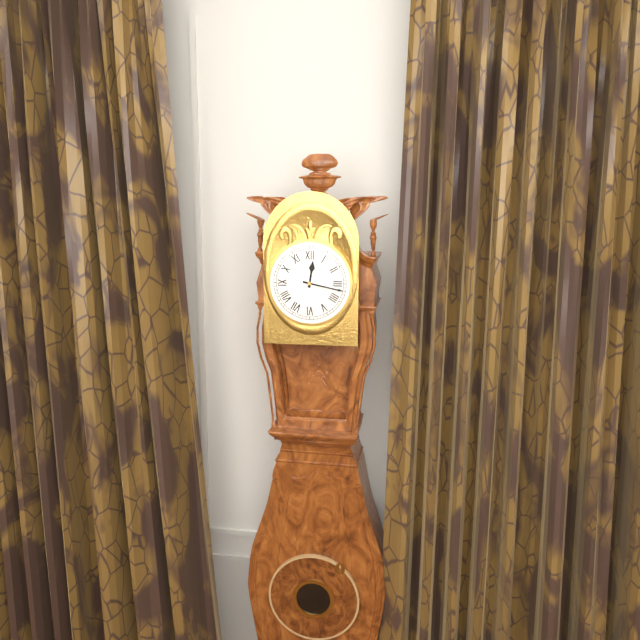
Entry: 12:17
